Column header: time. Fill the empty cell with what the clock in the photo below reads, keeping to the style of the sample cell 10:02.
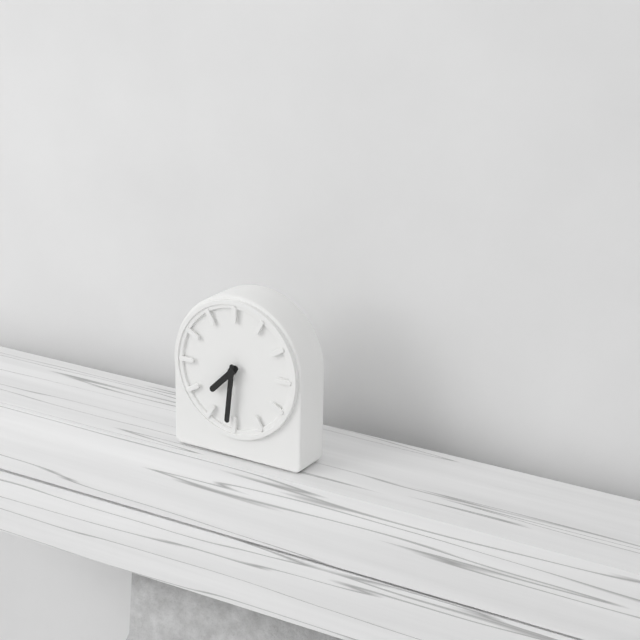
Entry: 7:31
